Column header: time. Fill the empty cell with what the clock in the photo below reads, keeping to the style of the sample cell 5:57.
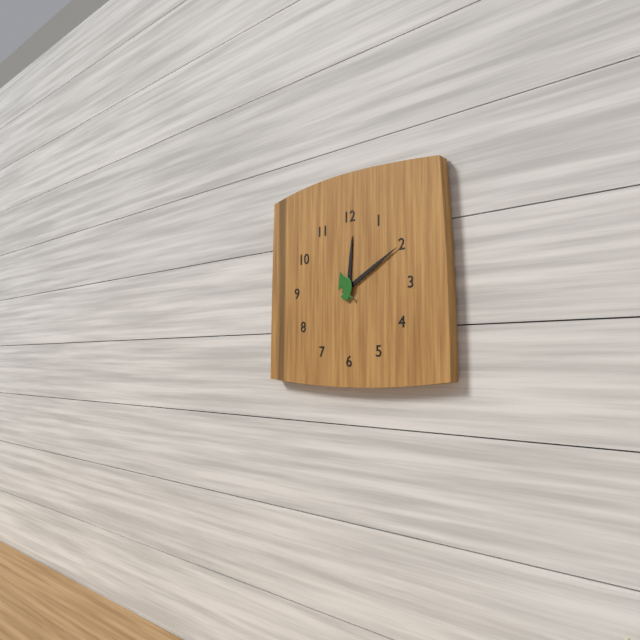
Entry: 12:10
